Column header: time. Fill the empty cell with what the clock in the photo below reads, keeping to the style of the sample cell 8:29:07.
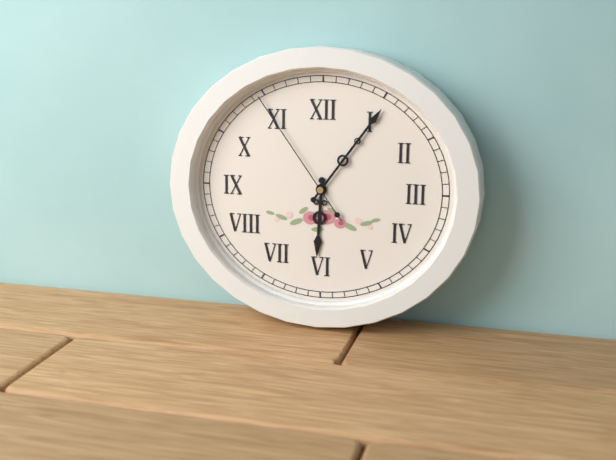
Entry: 6:06:54
